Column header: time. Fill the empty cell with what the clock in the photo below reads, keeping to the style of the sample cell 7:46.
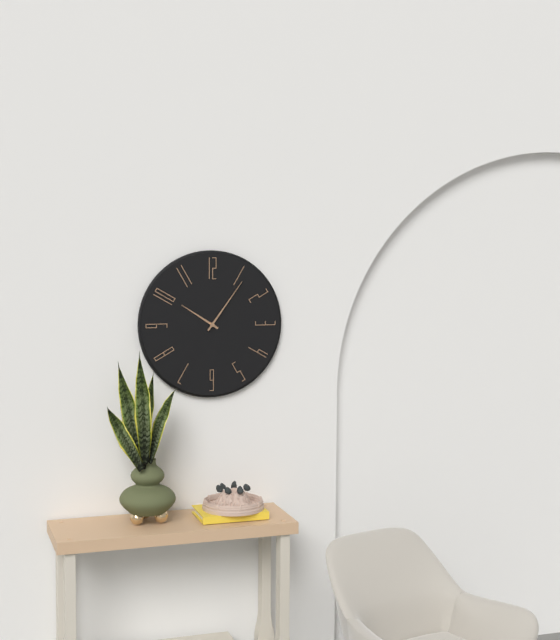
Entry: 10:06
